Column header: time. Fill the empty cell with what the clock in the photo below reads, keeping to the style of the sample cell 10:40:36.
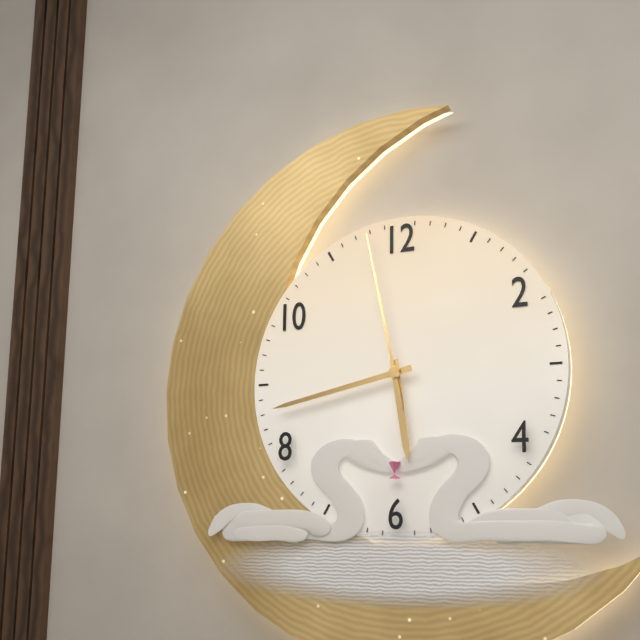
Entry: 5:43:58
